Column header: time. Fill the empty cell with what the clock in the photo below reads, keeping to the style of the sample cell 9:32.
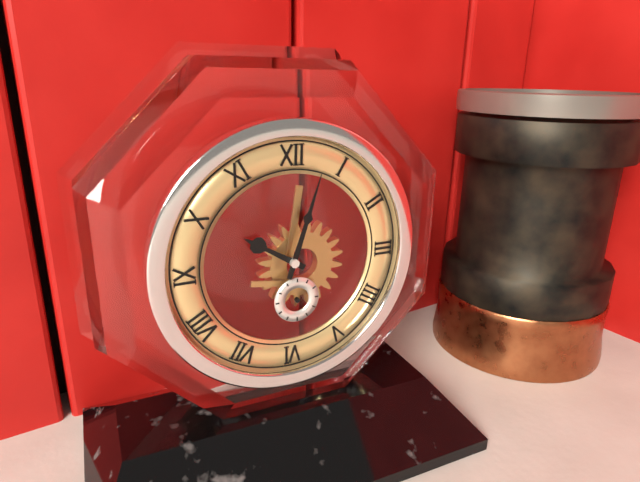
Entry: 10:03
